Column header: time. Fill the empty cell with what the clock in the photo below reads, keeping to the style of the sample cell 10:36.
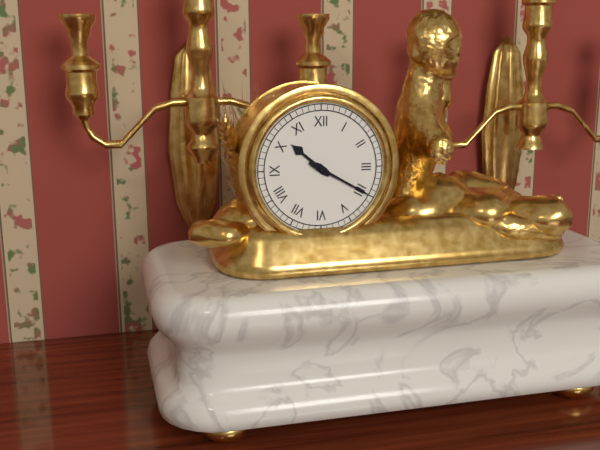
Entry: 10:20
